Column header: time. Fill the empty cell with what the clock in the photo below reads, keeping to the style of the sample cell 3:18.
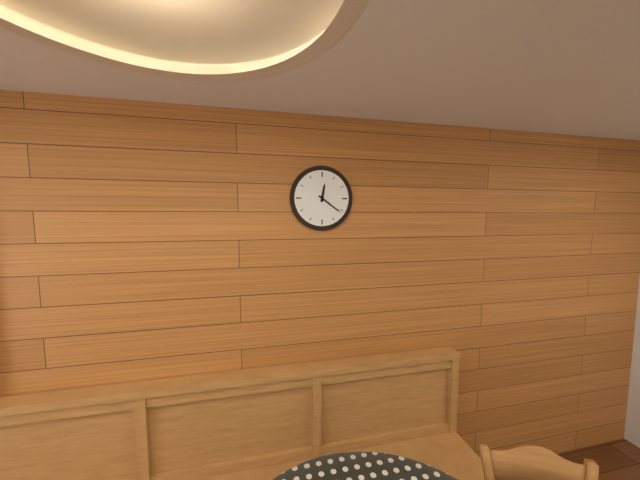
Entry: 12:21
